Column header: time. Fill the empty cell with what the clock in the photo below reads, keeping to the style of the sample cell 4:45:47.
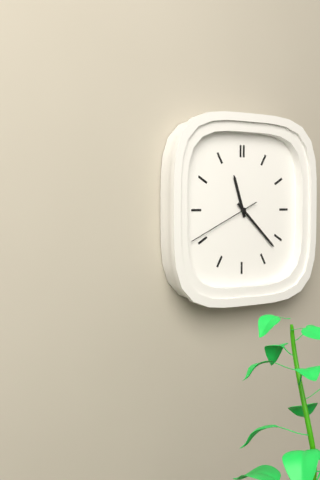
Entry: 11:22:41
